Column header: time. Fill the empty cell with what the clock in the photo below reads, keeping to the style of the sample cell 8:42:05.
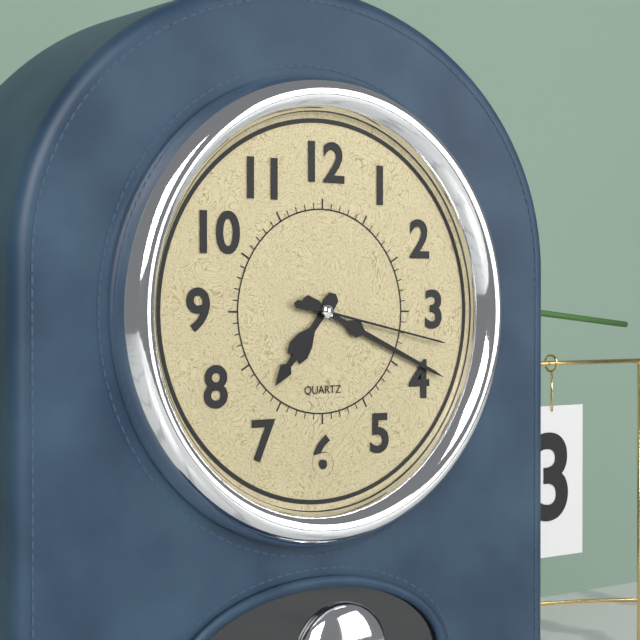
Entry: 7:19:17
